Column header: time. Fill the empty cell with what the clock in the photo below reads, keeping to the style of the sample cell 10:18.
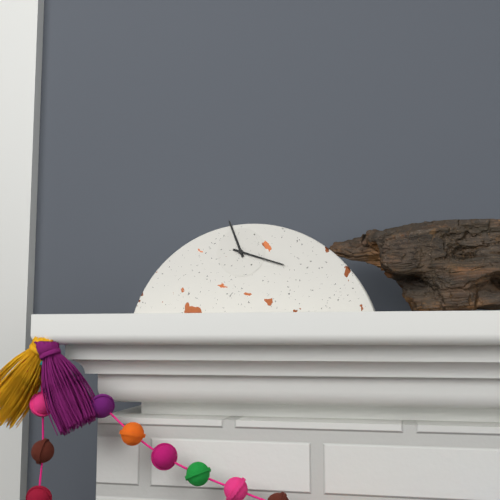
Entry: 11:18
